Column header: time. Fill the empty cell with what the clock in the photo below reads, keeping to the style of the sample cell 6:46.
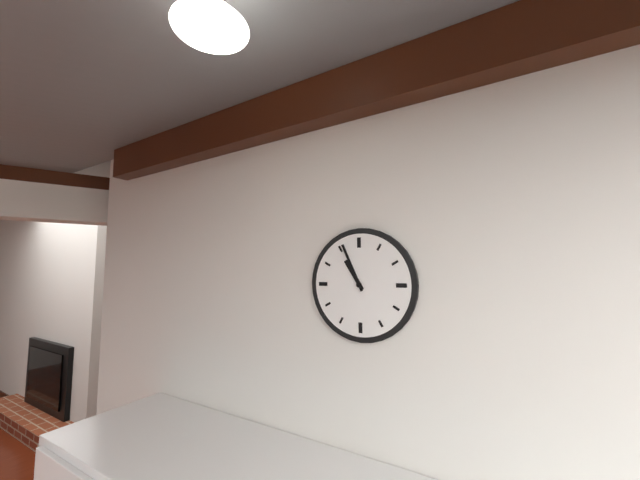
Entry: 10:56
